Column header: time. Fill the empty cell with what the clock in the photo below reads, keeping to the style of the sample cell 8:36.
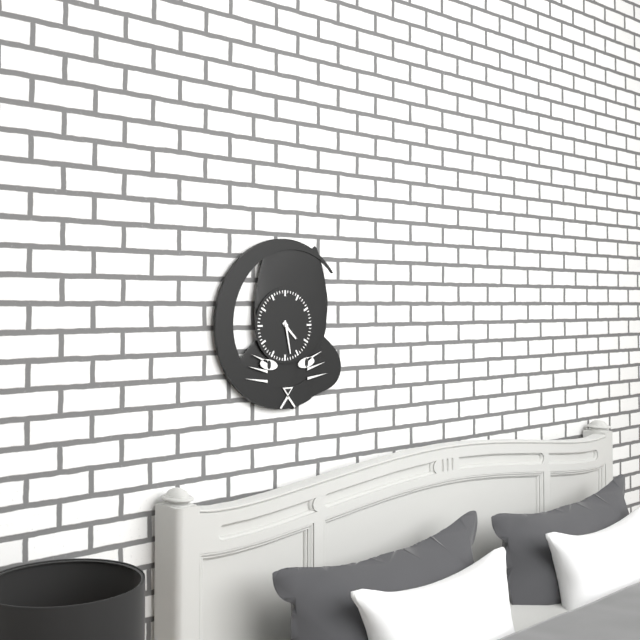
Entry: 4:28
